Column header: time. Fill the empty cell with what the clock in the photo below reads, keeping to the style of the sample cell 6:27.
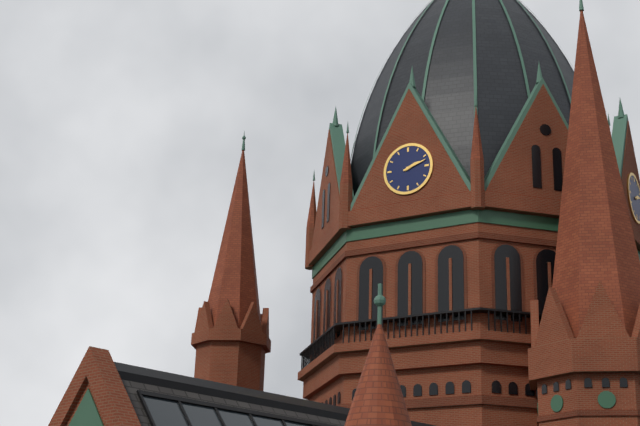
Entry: 2:12
